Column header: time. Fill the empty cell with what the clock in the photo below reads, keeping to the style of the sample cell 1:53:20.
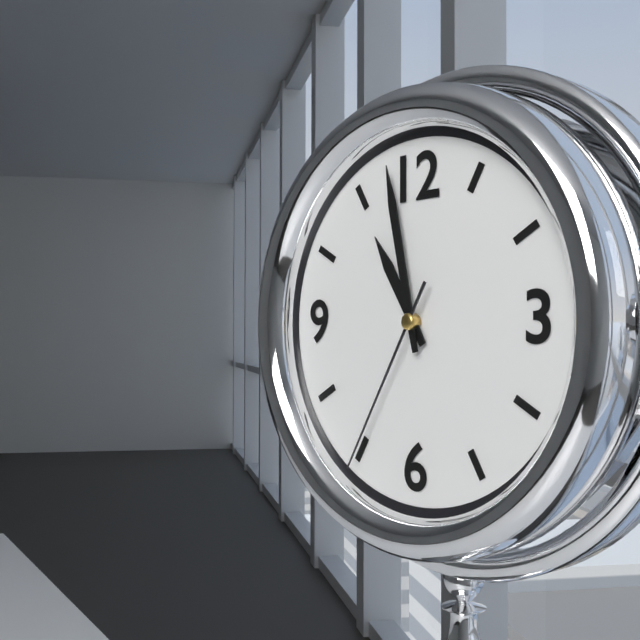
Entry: 10:58:35
